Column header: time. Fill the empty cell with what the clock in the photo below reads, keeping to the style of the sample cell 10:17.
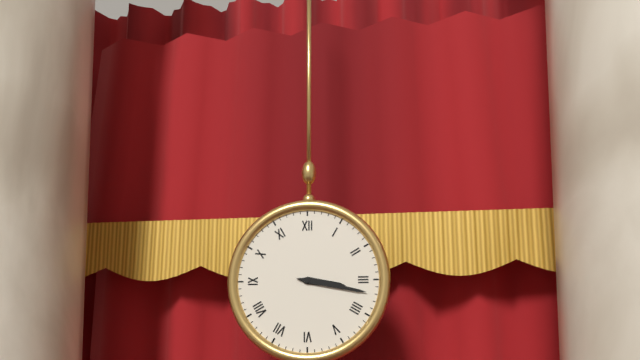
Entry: 3:17
